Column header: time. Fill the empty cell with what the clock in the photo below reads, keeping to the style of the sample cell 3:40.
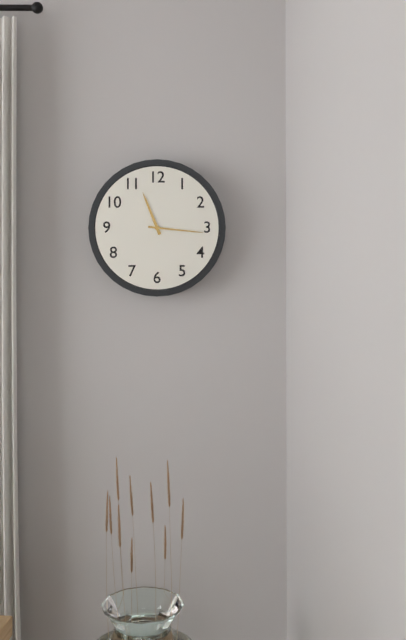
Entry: 11:16
